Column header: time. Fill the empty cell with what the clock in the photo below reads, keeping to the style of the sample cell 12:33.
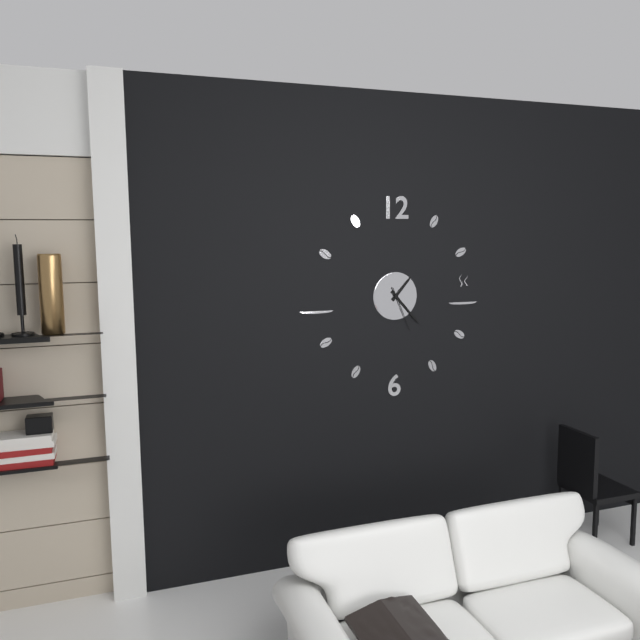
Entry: 1:23
